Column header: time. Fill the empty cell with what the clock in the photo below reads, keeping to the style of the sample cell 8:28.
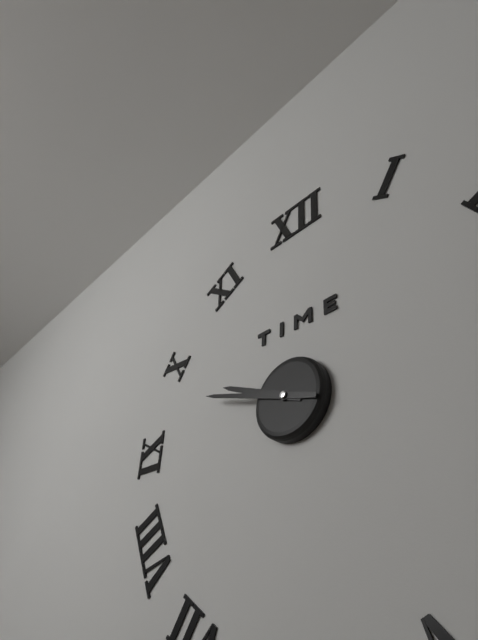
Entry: 9:48
